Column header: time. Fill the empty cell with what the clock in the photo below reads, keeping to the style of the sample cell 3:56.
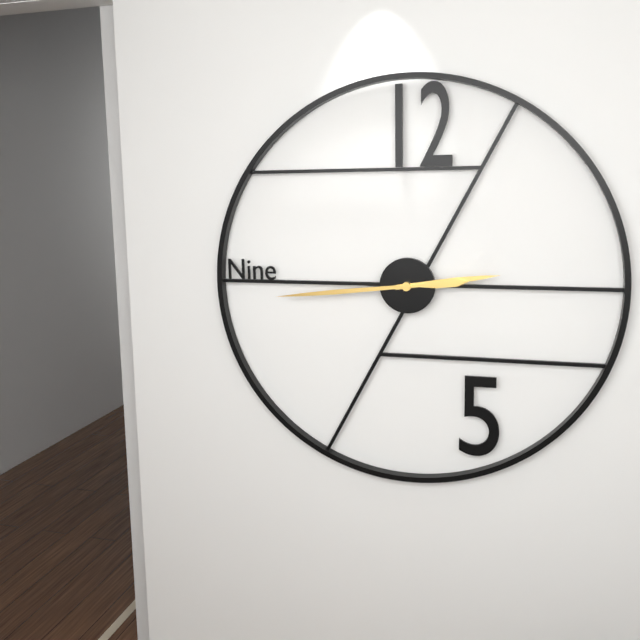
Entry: 2:44
